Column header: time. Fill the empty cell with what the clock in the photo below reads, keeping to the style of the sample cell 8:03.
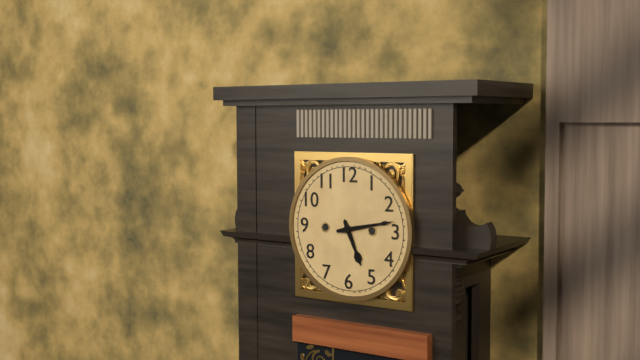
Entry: 5:13
